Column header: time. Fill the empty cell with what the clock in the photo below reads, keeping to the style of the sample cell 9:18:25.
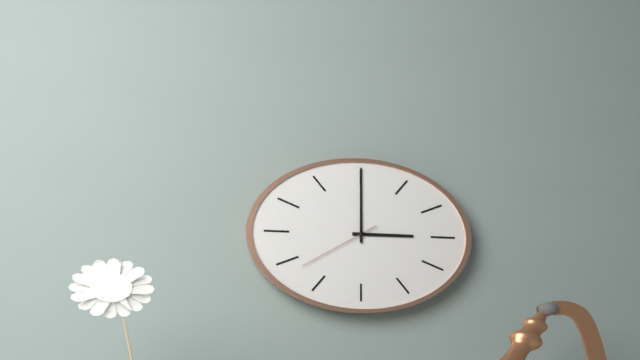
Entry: 3:00:40
